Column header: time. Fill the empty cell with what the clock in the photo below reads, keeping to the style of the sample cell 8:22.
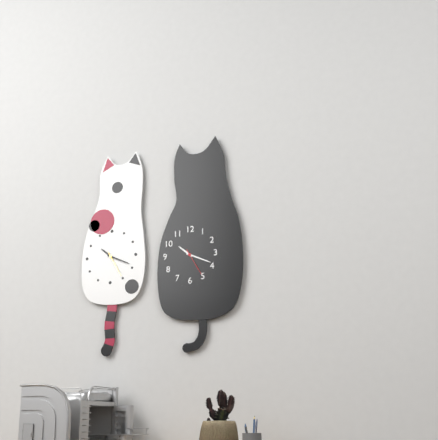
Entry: 10:19
